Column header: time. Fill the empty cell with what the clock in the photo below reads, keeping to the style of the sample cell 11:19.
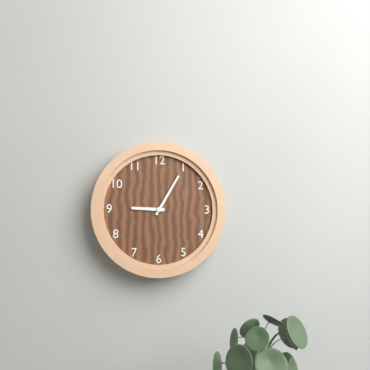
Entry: 9:05
